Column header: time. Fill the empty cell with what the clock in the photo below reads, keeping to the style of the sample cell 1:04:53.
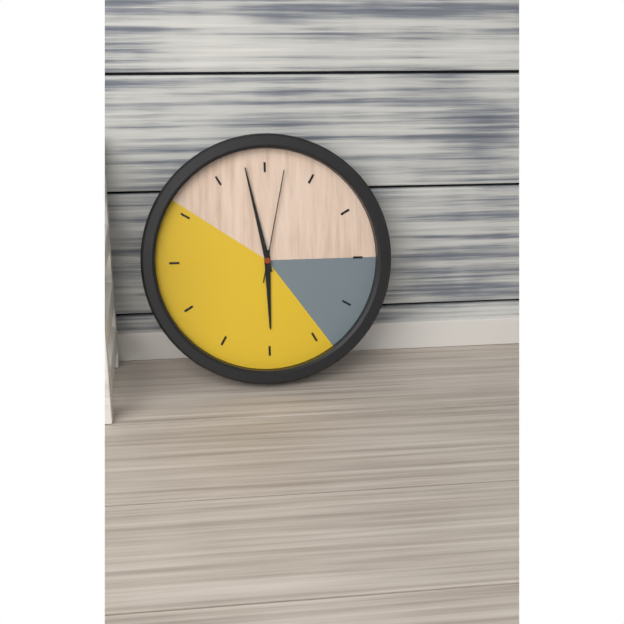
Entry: 5:58:02
